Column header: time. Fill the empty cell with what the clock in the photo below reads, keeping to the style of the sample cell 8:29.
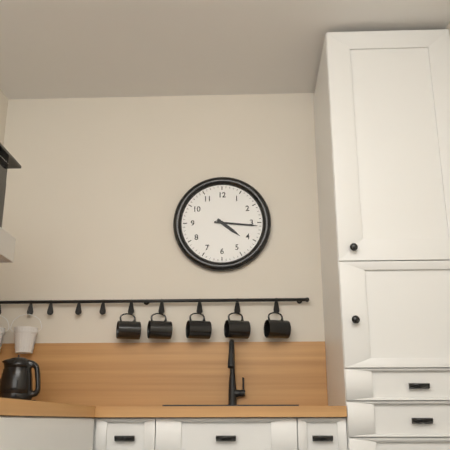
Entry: 4:16
